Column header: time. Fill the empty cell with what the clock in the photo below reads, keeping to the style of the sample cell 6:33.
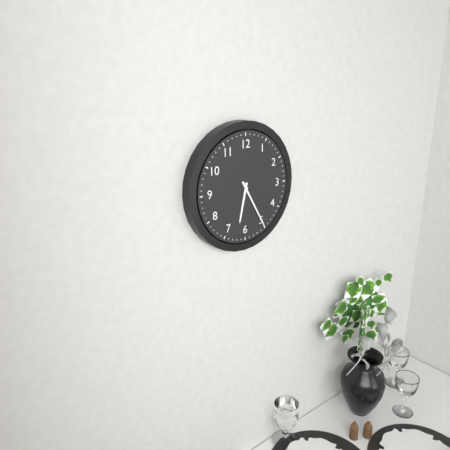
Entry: 6:25
